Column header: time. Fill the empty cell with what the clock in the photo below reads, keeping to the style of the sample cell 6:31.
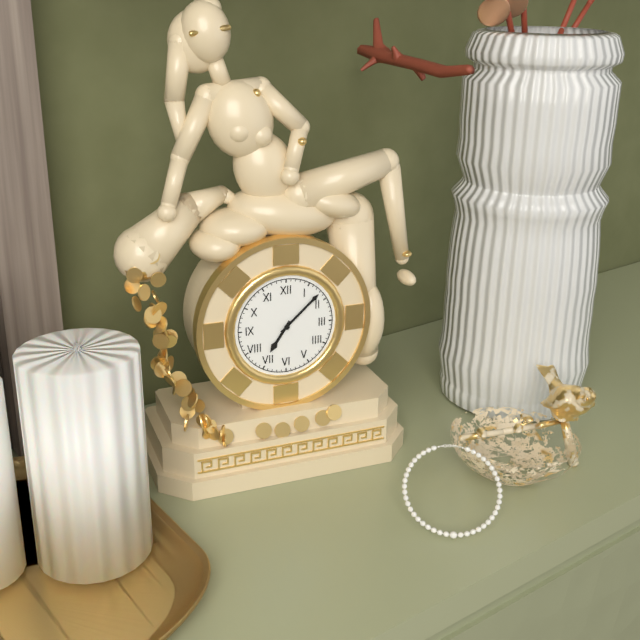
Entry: 7:08
